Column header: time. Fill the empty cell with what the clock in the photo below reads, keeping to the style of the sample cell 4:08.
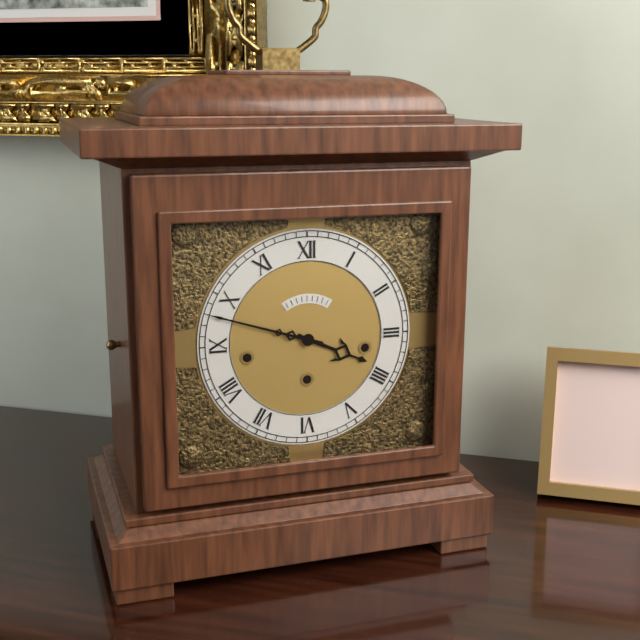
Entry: 3:48
